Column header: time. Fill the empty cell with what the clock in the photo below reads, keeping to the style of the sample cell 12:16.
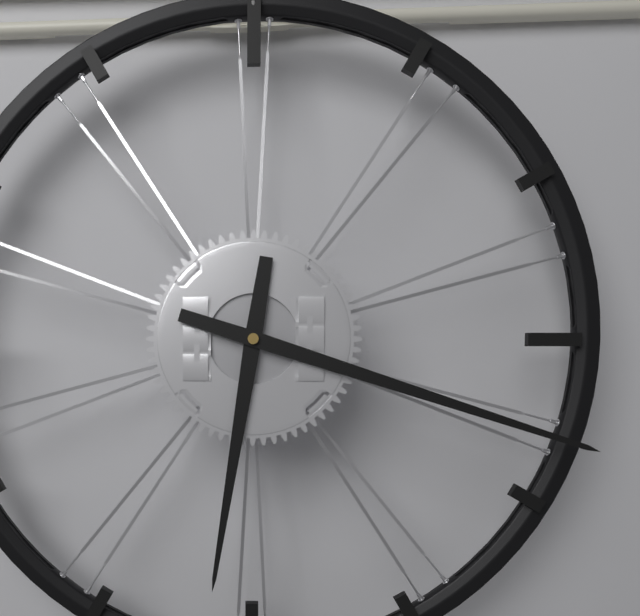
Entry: 6:18
